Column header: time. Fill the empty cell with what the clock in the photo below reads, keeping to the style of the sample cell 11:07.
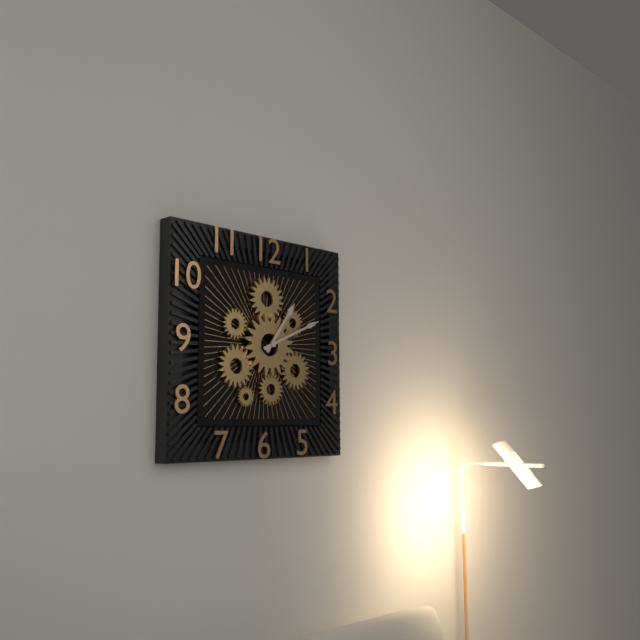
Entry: 1:11
